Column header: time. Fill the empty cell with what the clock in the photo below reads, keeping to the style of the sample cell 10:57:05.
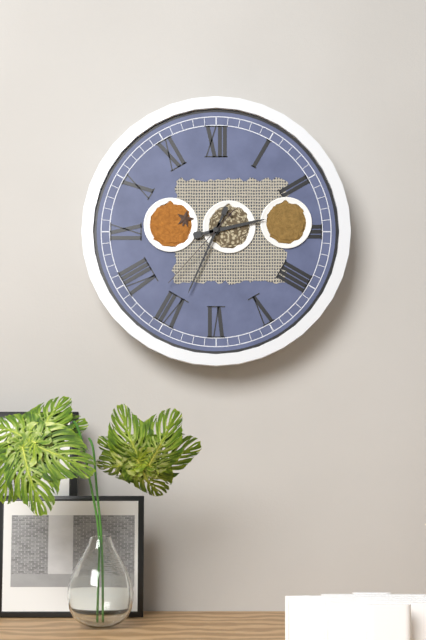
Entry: 2:34:37
